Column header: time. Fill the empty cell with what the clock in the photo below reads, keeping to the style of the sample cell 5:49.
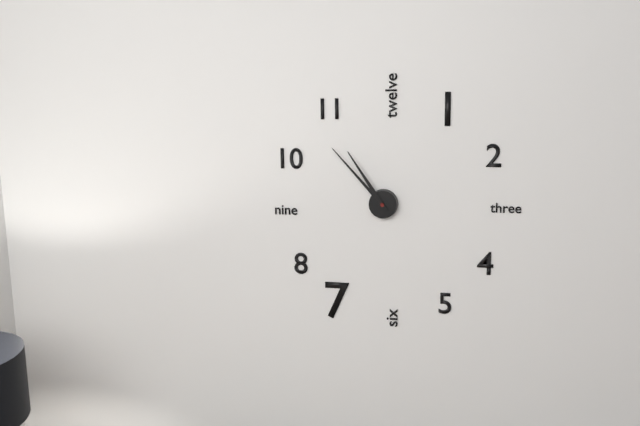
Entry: 10:53
